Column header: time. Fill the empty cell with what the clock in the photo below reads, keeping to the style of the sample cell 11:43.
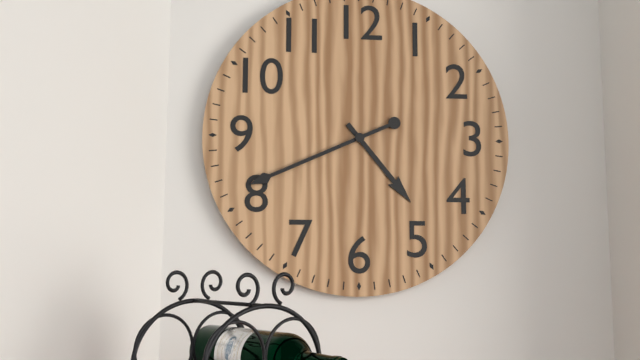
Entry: 4:41
